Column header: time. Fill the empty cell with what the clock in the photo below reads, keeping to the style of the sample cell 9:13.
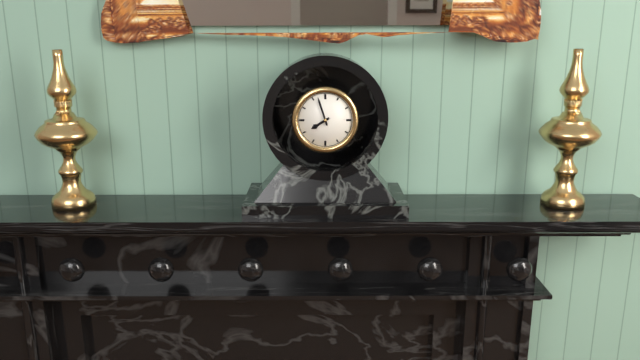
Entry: 7:57
